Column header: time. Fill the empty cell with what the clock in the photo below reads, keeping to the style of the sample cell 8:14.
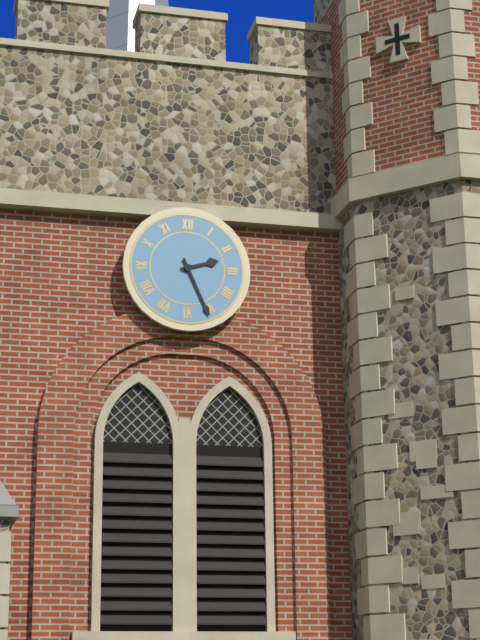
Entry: 2:26
